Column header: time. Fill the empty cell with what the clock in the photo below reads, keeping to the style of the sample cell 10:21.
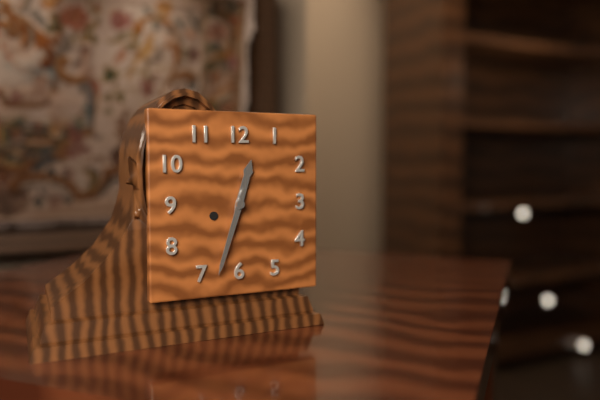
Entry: 12:33
